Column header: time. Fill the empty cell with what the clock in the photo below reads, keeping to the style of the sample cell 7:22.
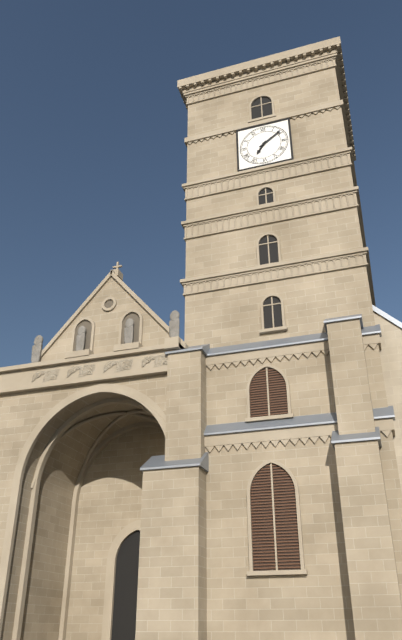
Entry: 7:09
